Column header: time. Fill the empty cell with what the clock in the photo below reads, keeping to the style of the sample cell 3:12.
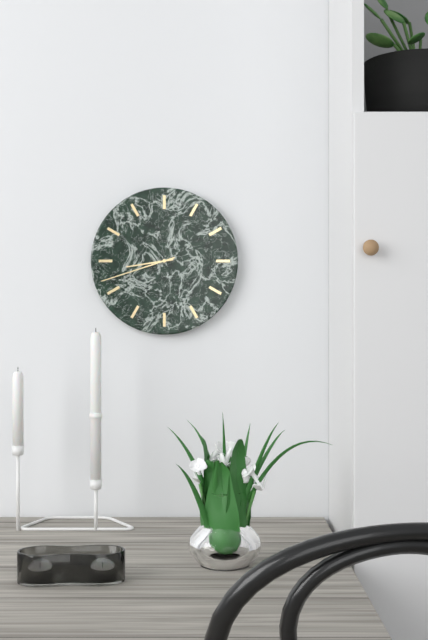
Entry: 8:42
